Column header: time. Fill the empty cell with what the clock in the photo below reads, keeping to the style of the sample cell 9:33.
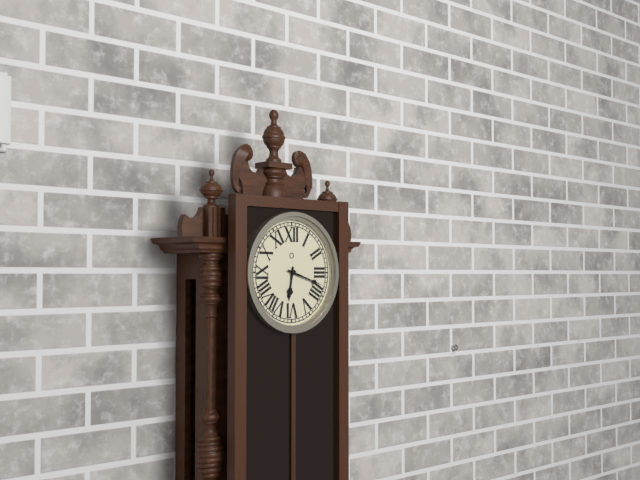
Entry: 6:18
